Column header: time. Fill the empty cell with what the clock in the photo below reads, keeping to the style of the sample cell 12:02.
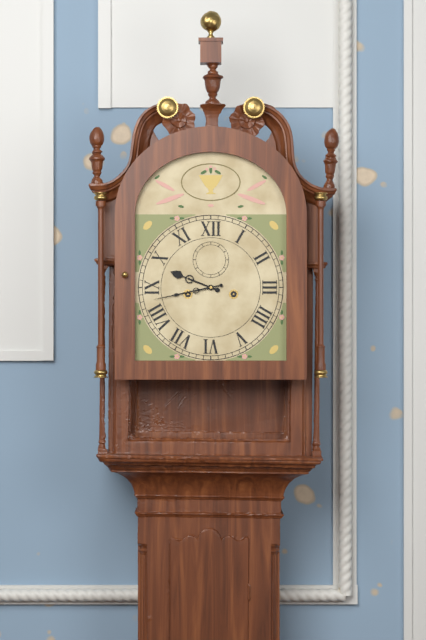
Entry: 9:43
